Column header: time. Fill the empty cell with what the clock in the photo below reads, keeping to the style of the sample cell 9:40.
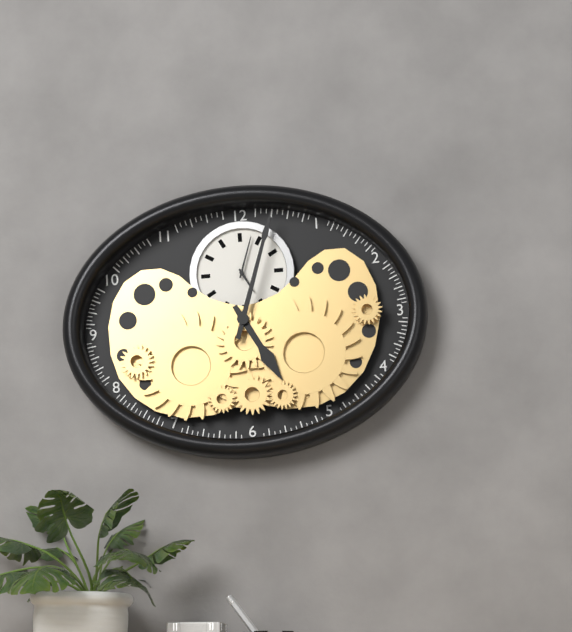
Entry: 5:03
